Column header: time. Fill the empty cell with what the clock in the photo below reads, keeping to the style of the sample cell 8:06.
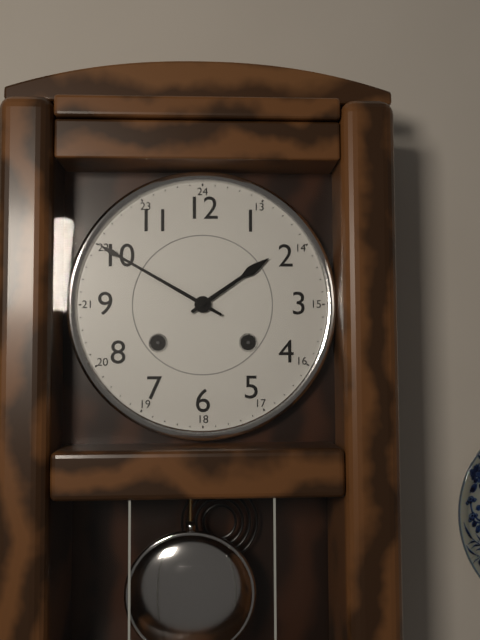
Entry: 1:50
